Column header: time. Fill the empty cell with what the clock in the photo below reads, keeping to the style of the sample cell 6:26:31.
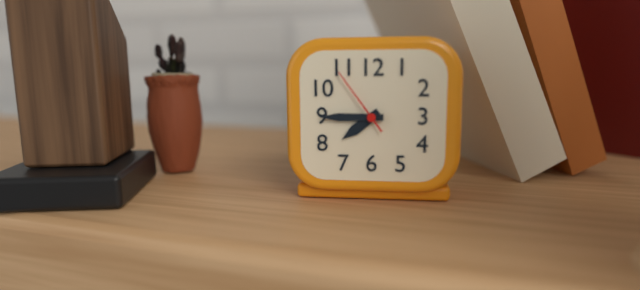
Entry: 7:45:54
